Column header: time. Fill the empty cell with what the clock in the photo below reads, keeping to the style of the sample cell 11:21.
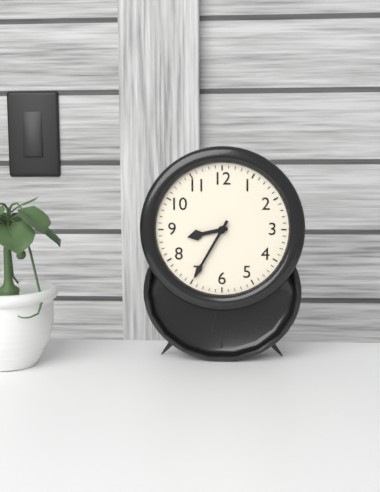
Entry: 8:35
